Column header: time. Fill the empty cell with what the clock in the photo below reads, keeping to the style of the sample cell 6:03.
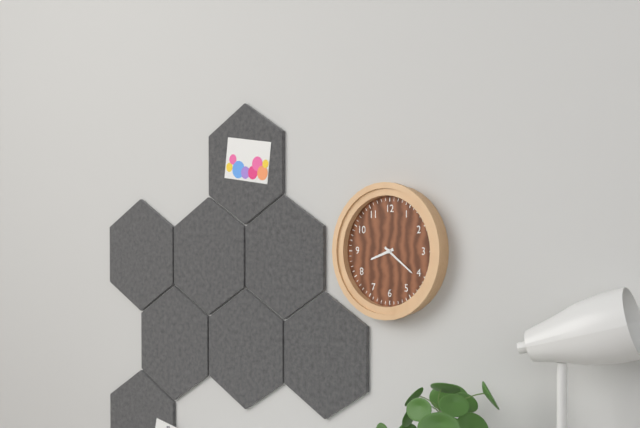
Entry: 8:21
